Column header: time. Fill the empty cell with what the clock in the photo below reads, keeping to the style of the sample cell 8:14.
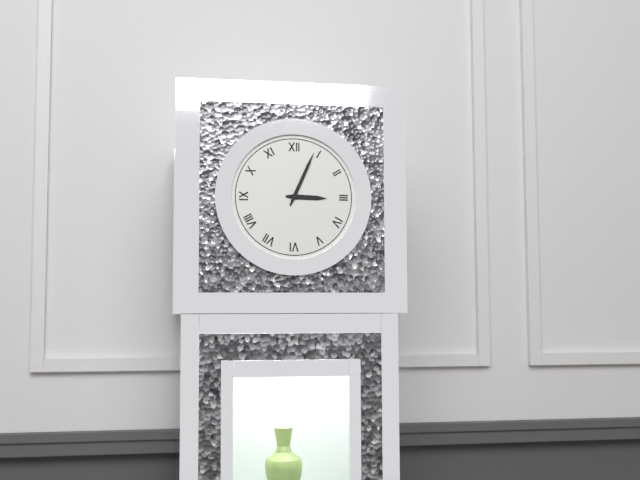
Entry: 3:04
